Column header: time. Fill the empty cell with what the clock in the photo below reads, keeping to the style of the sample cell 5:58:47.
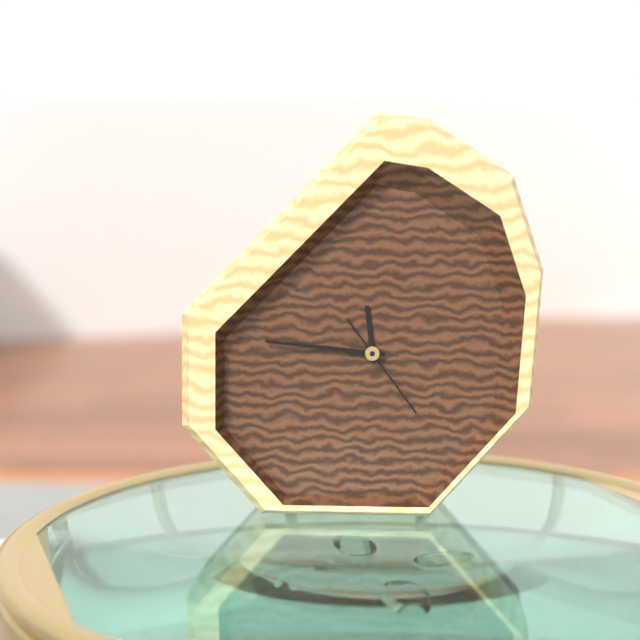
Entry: 11:46:24
